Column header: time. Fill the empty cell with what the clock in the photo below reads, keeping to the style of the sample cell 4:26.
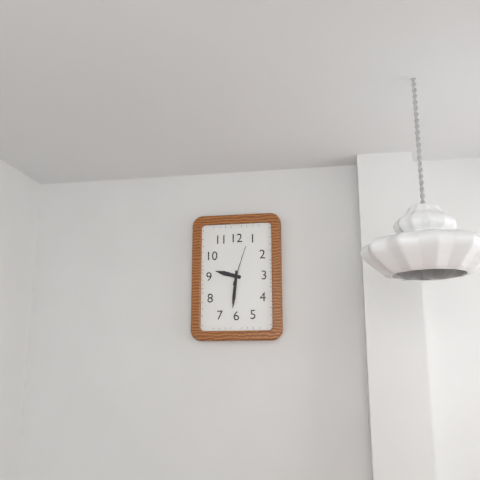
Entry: 9:31
